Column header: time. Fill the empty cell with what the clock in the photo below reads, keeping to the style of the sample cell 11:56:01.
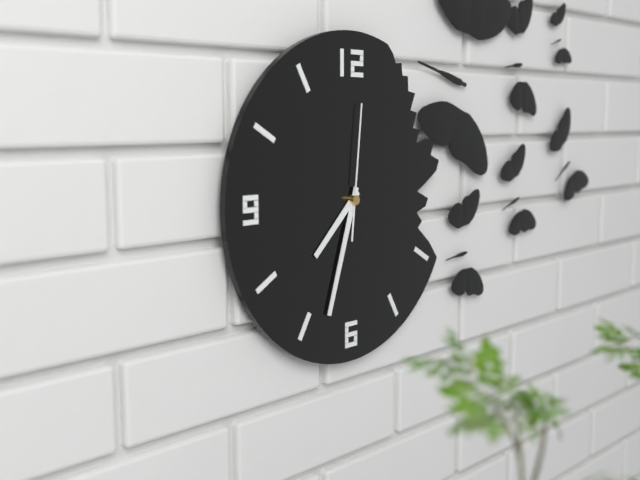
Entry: 7:33:01
